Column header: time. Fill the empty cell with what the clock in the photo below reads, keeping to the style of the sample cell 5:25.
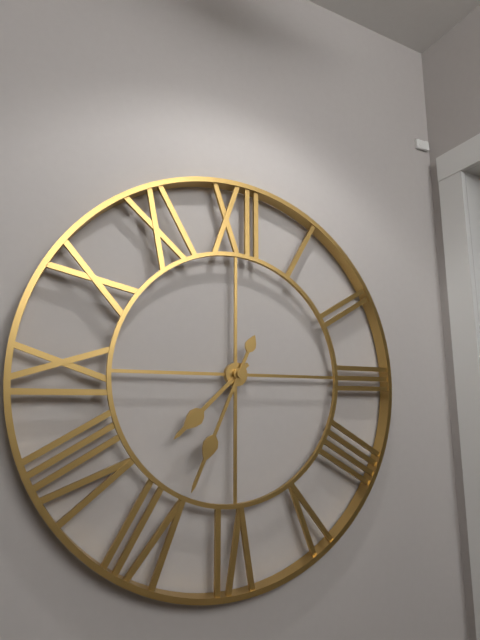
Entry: 7:34
